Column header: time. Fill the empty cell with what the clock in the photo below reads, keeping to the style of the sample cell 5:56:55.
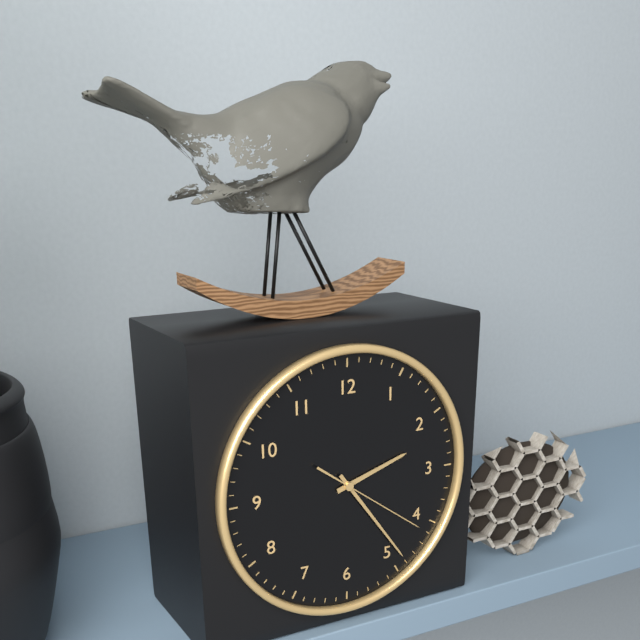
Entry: 2:24:21
